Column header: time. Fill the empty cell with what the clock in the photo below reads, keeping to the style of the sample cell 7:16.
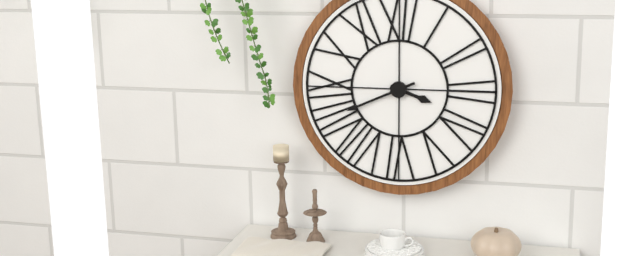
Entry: 3:41
